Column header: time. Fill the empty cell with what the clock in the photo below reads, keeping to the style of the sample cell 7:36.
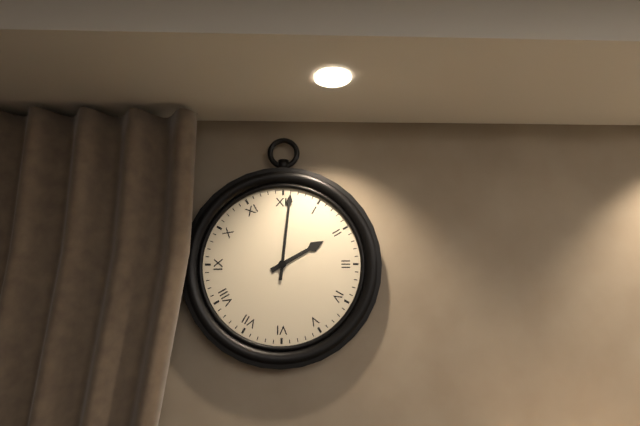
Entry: 2:01
